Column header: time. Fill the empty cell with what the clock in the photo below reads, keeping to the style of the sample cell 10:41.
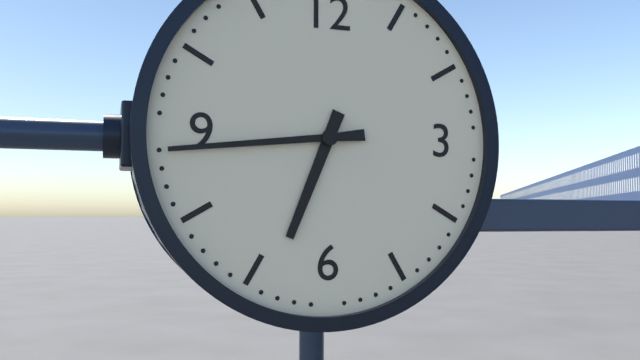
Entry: 6:44
